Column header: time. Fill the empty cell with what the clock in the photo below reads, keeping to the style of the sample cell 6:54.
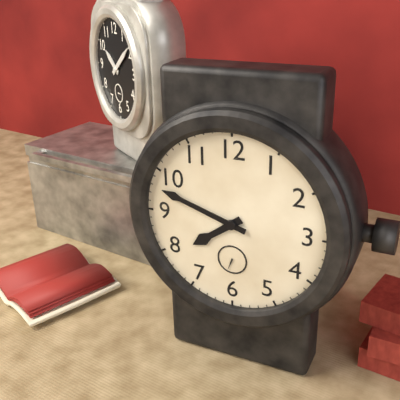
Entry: 7:48
